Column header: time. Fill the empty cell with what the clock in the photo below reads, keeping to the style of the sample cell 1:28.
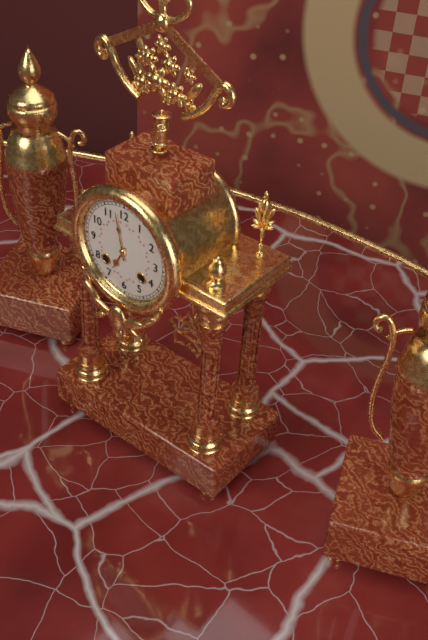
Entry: 6:58
